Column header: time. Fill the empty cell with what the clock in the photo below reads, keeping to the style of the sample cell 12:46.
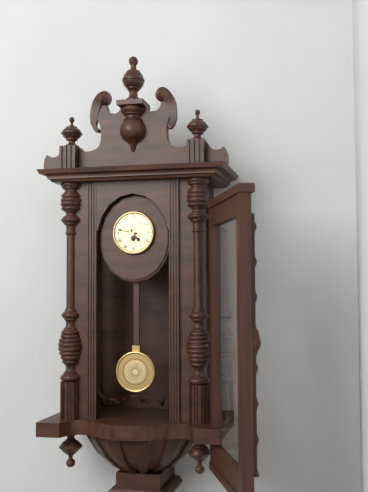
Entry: 4:47
